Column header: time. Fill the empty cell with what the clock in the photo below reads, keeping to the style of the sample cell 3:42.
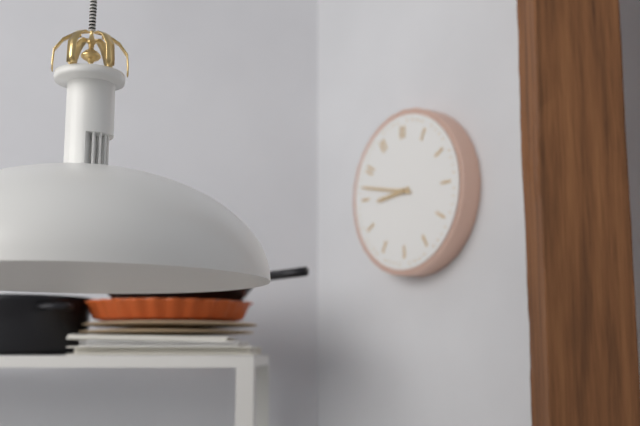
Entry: 8:47
